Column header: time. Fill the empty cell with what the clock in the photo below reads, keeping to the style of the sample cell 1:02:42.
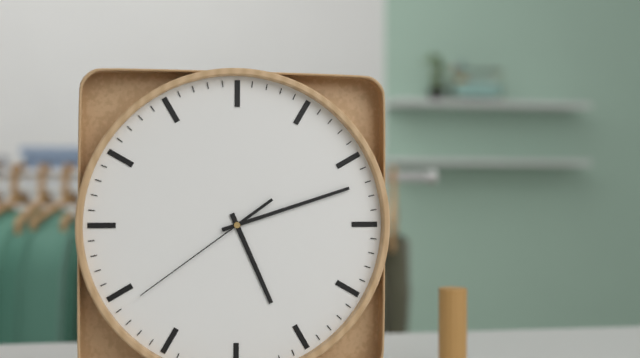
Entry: 5:12:39
